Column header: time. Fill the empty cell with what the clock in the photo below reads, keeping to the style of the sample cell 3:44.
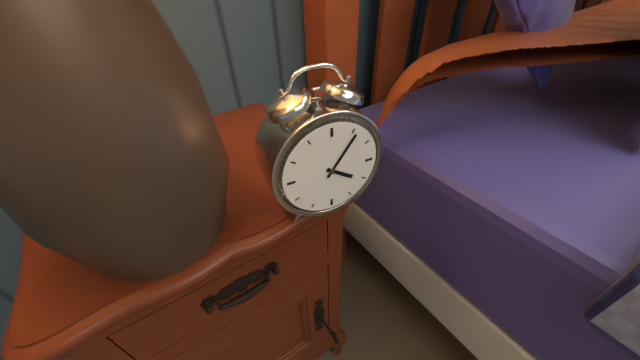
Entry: 4:06
